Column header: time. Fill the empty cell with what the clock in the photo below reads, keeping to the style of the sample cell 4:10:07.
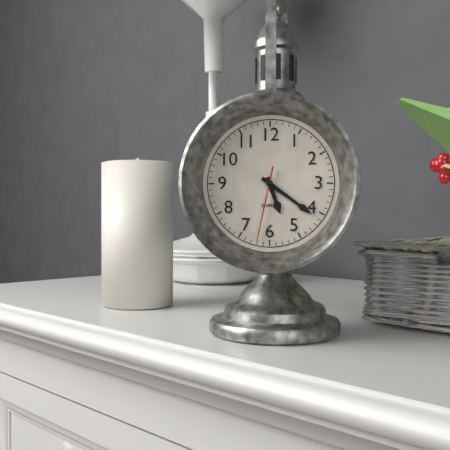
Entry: 5:21:32
